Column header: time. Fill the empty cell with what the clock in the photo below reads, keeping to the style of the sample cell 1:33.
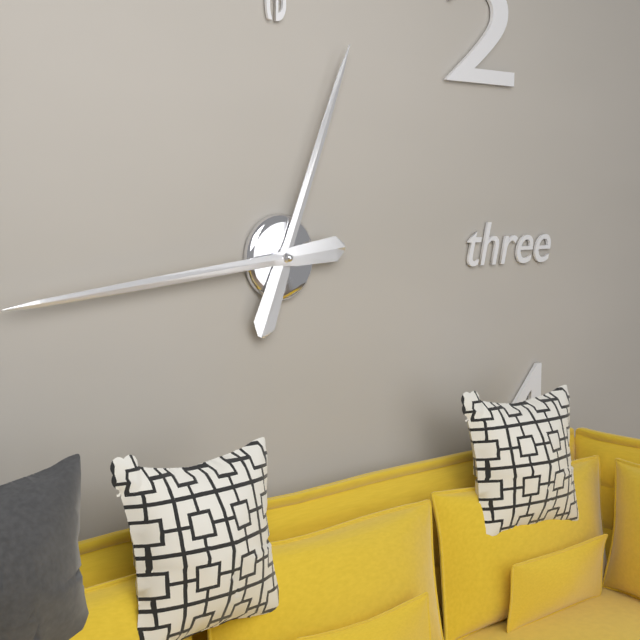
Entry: 12:44
